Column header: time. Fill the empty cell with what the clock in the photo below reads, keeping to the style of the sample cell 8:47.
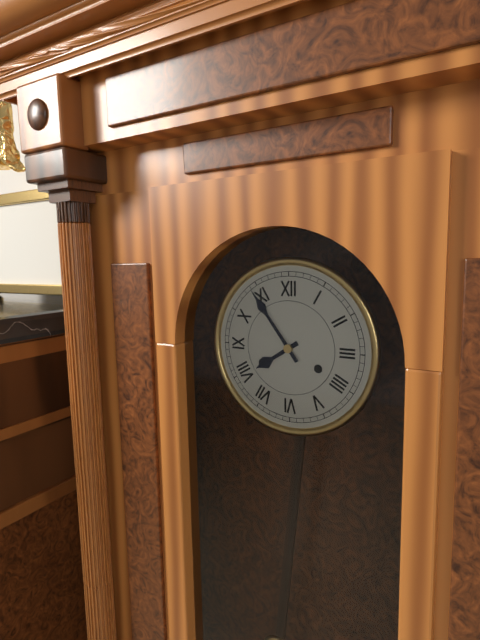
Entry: 7:54
